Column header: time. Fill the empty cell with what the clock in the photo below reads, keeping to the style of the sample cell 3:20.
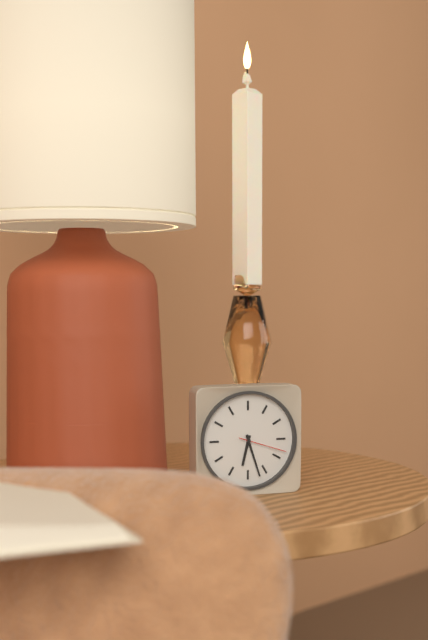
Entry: 6:27
